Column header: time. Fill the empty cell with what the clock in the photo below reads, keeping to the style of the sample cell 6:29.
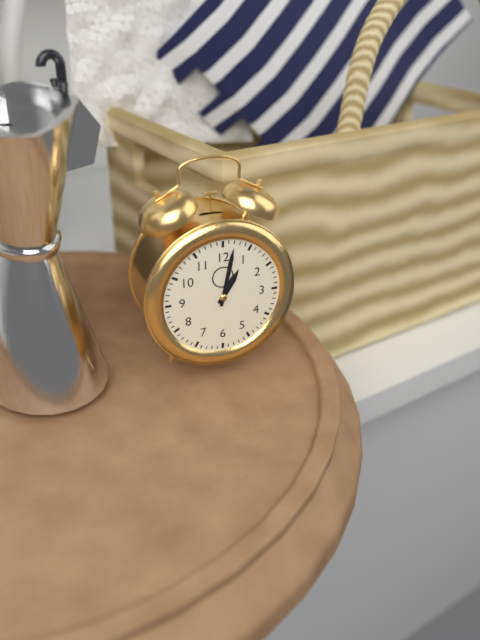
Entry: 1:02
